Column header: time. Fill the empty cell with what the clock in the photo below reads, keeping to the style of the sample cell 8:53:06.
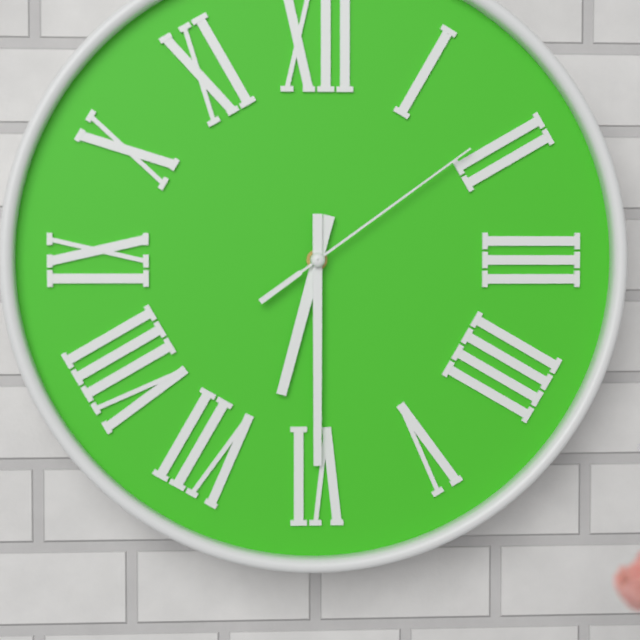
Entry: 6:30:09
